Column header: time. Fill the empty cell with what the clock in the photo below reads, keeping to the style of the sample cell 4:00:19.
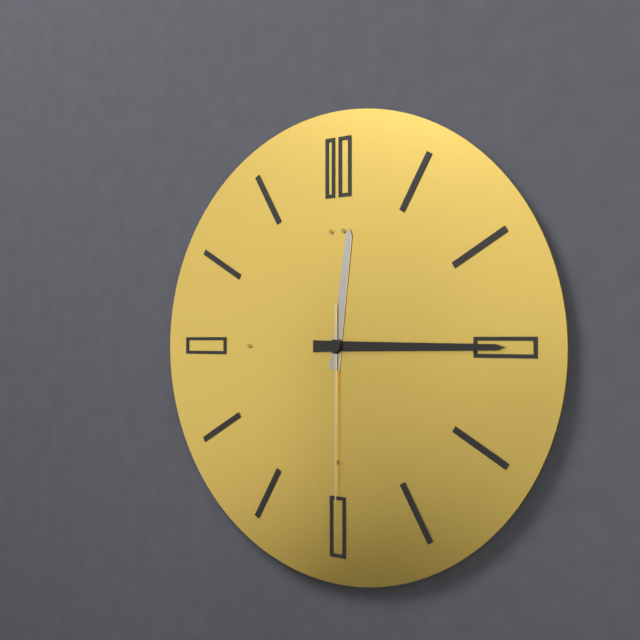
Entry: 12:15:30
